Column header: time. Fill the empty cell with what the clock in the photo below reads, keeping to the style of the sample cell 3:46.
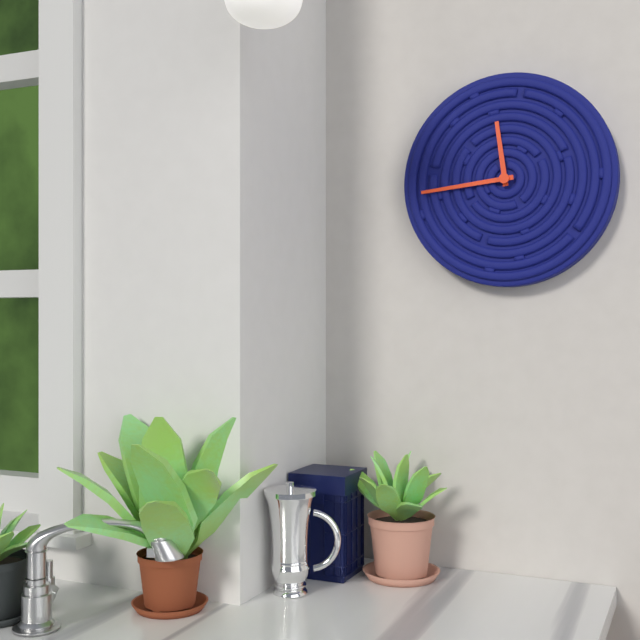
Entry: 11:44
